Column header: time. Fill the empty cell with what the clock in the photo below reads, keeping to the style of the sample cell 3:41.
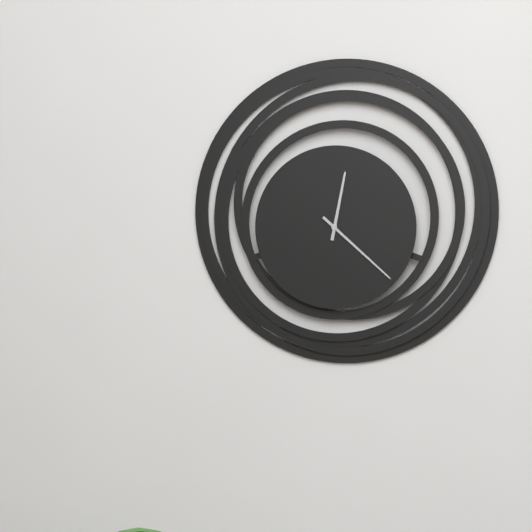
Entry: 12:22
